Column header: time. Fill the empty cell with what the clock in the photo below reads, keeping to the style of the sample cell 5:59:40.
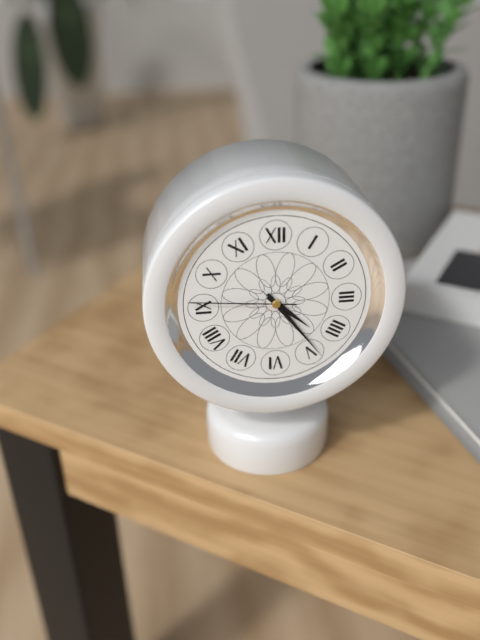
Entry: 4:24:46
